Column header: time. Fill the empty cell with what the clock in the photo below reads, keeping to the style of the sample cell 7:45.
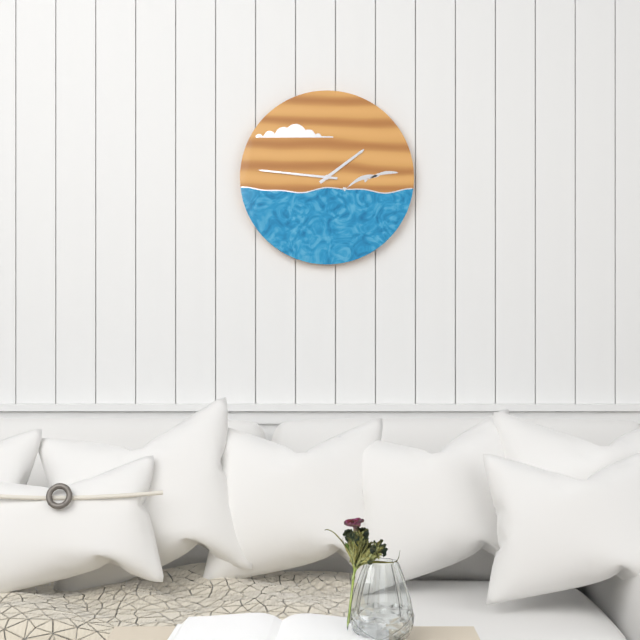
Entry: 1:46
